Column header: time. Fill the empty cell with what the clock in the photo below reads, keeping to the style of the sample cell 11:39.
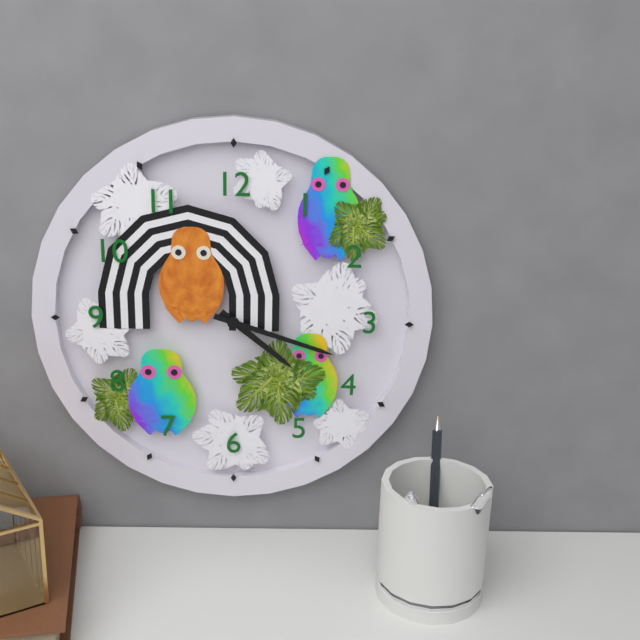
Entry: 4:18
